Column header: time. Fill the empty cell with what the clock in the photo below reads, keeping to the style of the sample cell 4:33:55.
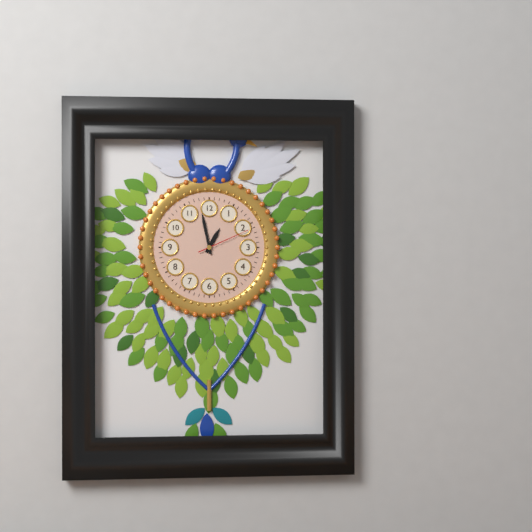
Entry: 12:58:11
